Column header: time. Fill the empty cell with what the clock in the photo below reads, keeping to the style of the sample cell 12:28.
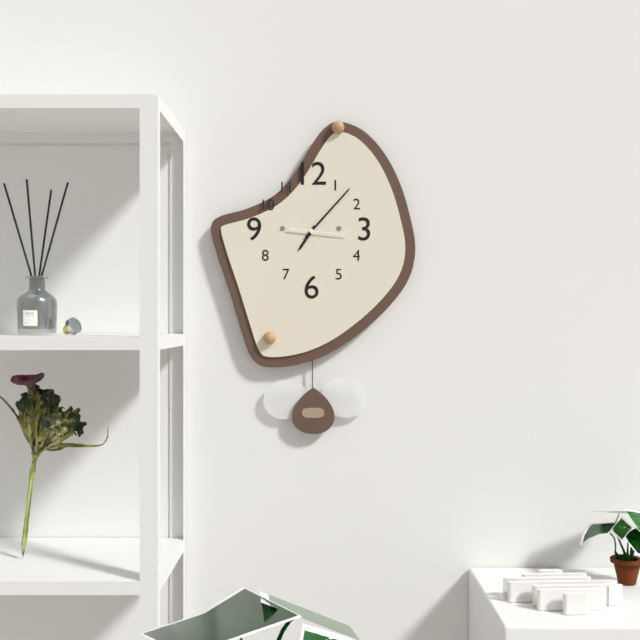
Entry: 7:07
